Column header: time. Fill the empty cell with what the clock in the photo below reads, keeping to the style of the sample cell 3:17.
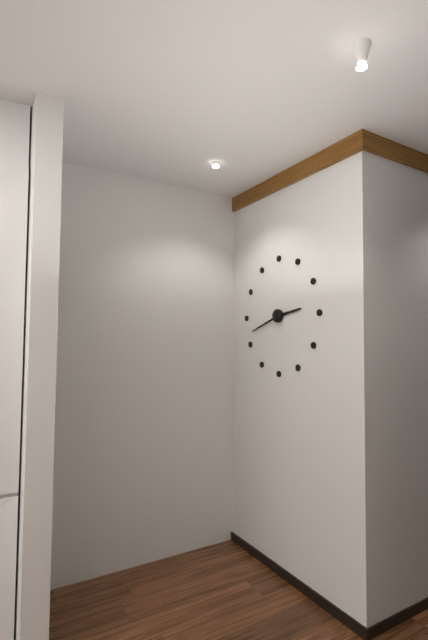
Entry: 2:42
